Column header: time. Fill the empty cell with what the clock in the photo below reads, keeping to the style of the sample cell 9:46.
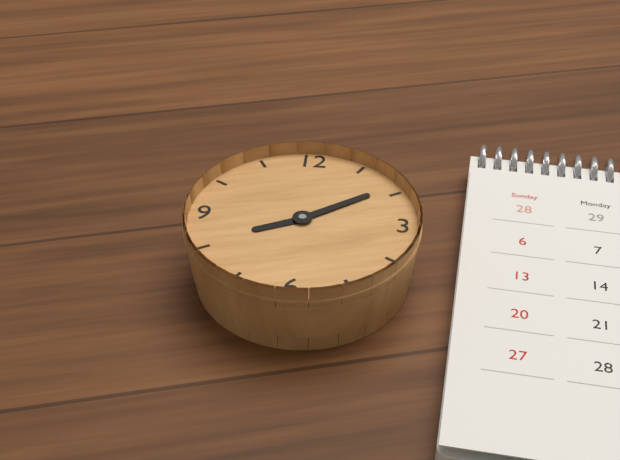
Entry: 8:09
